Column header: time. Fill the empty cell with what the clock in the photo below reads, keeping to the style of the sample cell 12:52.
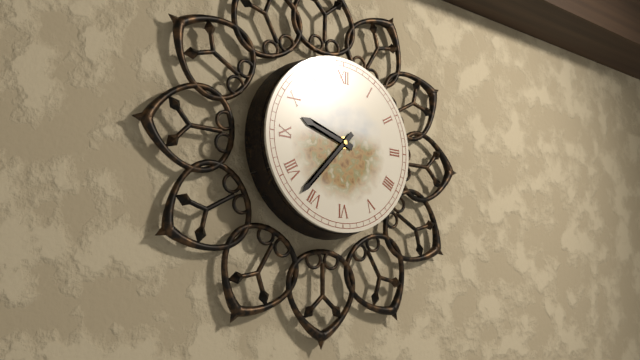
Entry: 9:37
